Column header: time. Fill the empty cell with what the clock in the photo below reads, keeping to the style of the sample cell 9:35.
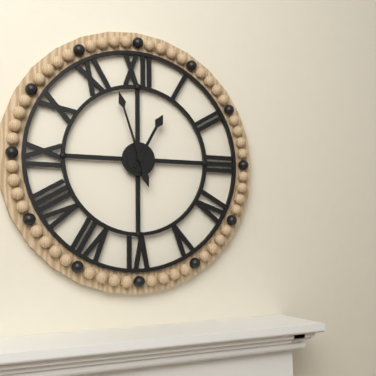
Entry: 12:57
